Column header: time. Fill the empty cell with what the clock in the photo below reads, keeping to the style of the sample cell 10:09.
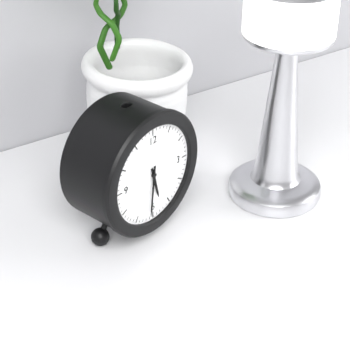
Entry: 5:31
